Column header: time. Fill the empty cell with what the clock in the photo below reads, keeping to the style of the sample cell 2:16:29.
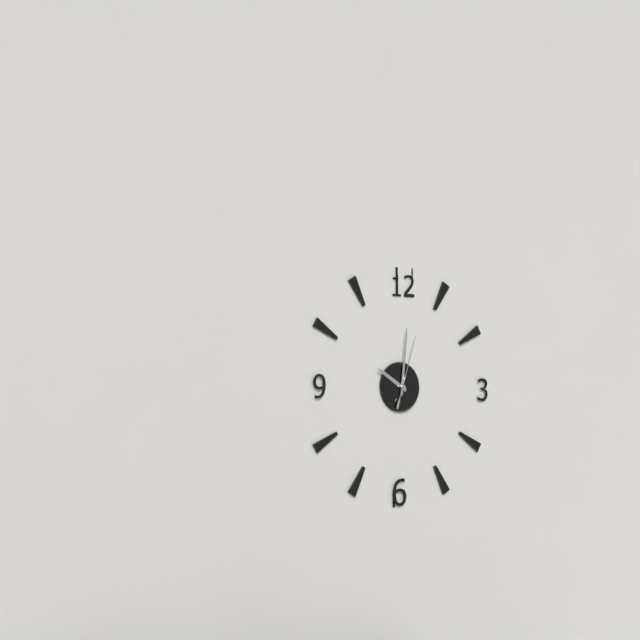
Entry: 10:01:03
